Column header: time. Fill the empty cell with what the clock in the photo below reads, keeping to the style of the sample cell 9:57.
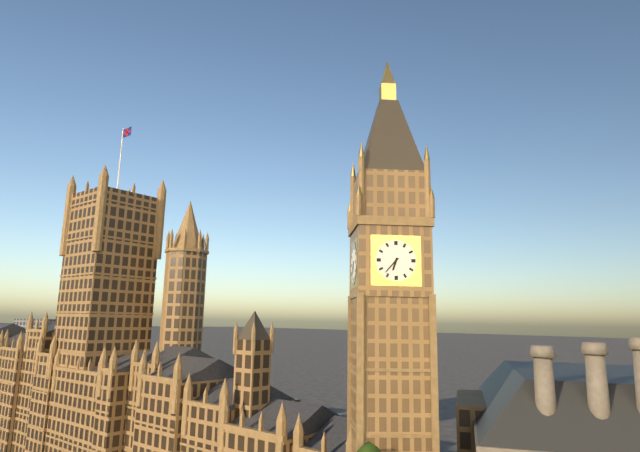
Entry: 6:37
